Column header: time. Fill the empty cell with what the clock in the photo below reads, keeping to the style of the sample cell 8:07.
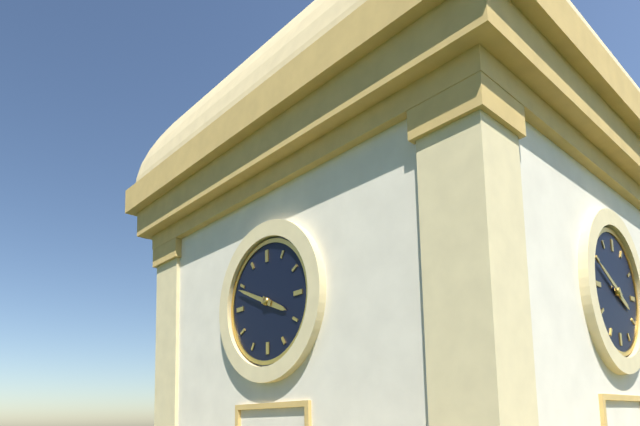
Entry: 3:49
